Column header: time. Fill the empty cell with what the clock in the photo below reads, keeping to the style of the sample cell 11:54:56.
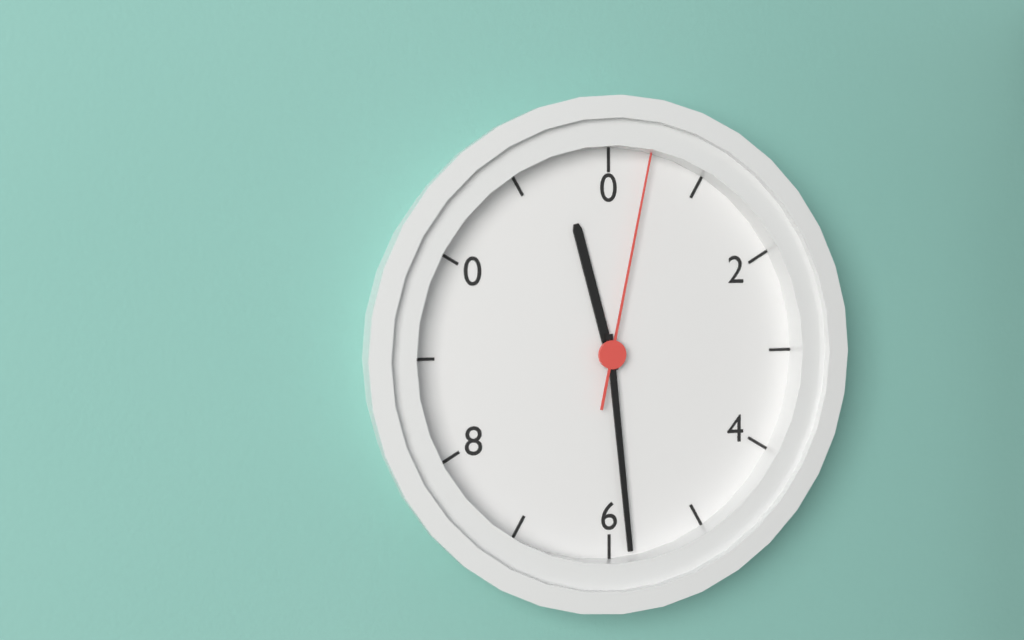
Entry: 11:29:02
